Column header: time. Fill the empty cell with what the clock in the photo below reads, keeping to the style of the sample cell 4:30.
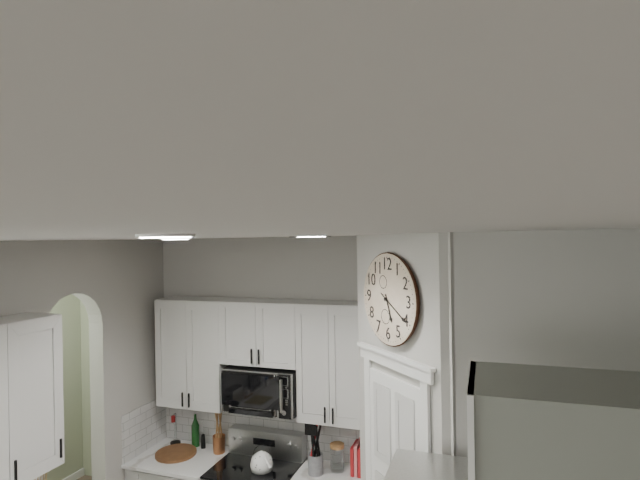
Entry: 5:20
